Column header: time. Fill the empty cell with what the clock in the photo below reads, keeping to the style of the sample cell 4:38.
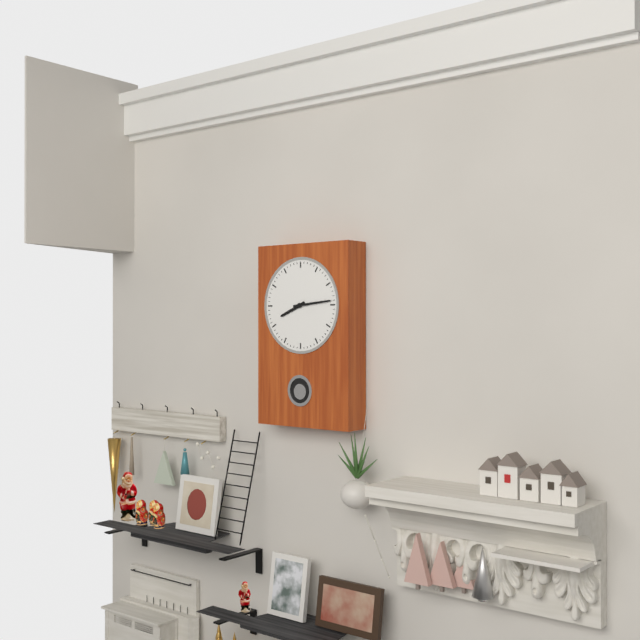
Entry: 8:14
